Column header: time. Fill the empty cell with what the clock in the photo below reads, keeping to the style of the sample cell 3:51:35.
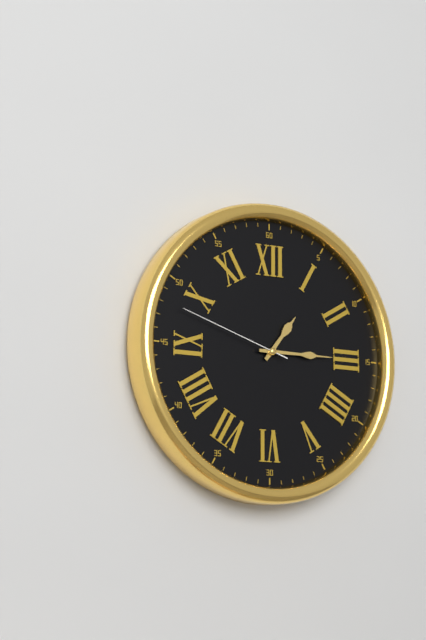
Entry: 1:15:48
